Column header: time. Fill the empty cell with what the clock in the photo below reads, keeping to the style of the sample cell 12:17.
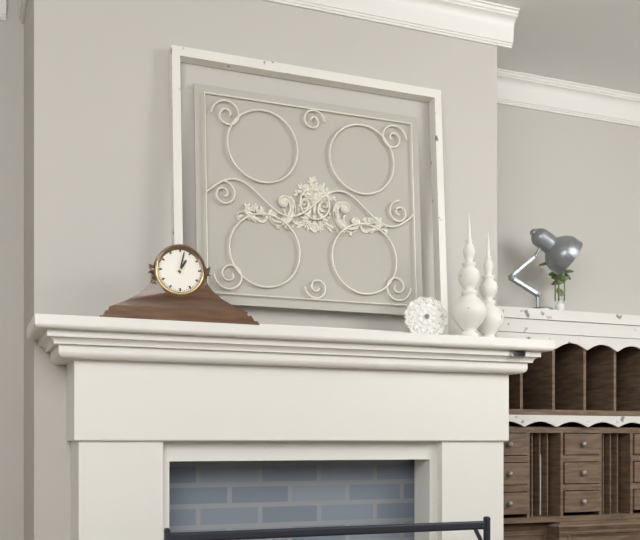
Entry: 1:02
